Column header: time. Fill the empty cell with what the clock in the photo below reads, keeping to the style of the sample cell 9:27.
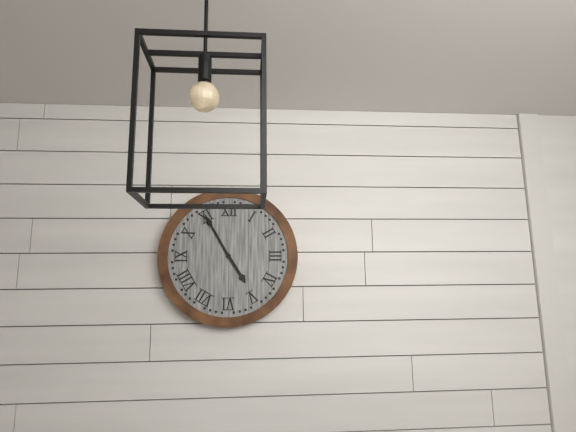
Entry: 4:55
